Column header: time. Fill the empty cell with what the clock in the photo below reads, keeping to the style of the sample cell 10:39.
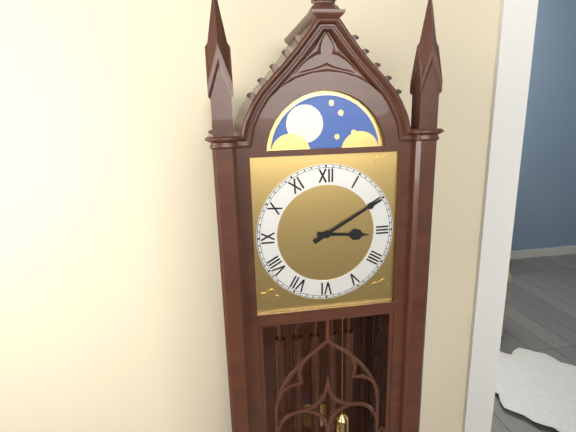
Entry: 3:10
